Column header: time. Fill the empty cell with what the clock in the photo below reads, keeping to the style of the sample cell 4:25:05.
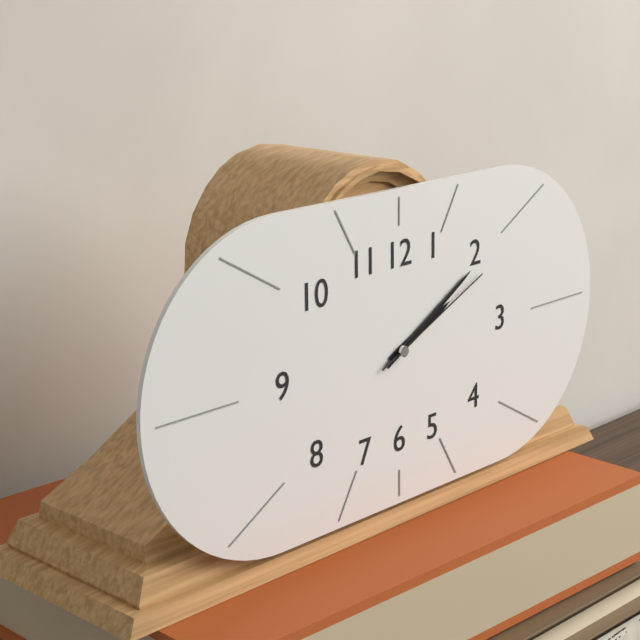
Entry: 2:10:11
